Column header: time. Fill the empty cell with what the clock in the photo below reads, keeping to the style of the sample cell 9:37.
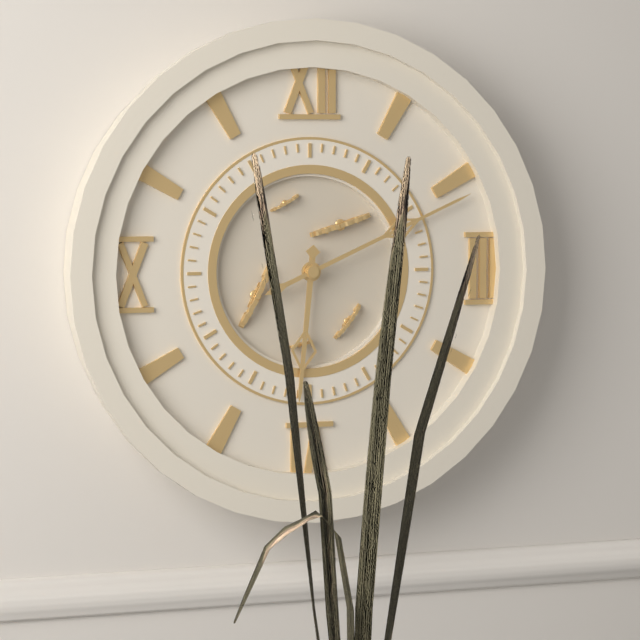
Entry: 6:11
